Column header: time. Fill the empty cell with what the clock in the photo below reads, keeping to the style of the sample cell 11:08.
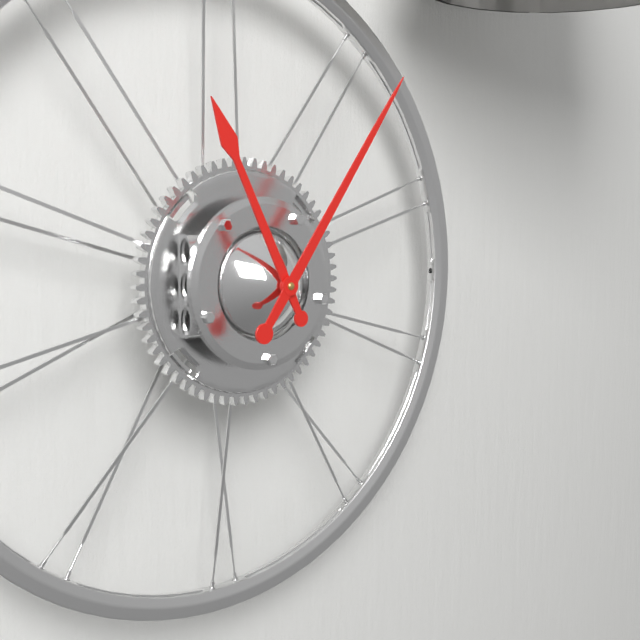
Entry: 11:06
